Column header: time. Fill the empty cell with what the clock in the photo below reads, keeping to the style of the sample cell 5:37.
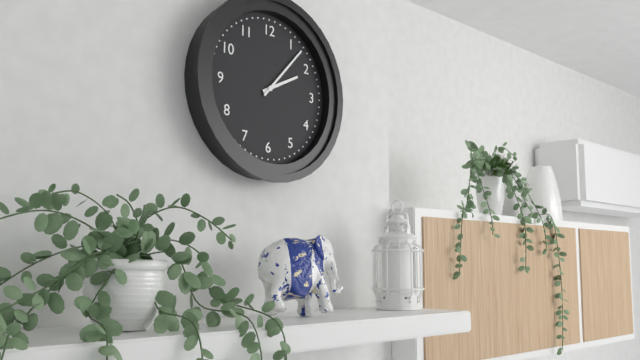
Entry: 2:07
